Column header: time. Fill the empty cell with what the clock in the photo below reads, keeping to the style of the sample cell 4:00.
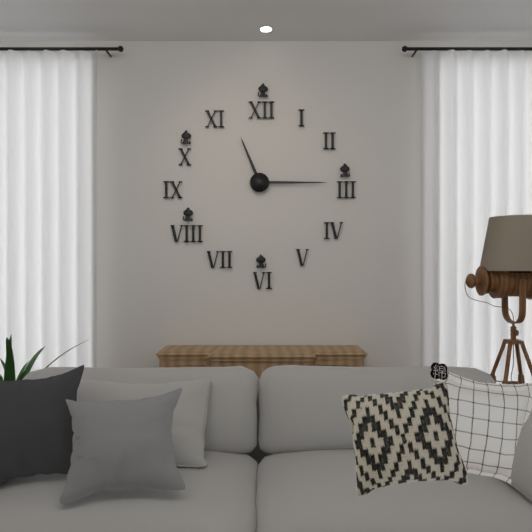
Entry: 11:15
